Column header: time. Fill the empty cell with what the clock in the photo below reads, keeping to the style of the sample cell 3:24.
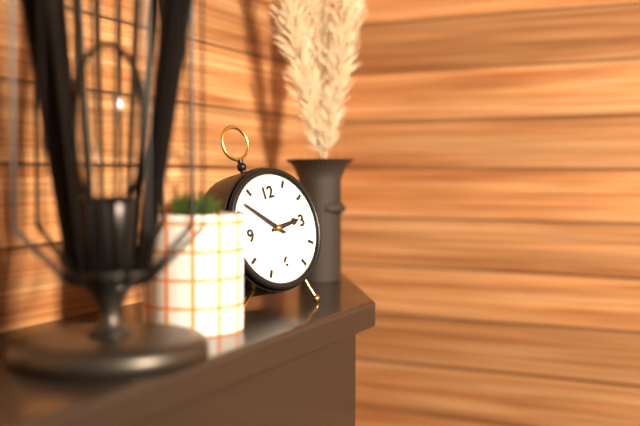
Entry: 2:52
